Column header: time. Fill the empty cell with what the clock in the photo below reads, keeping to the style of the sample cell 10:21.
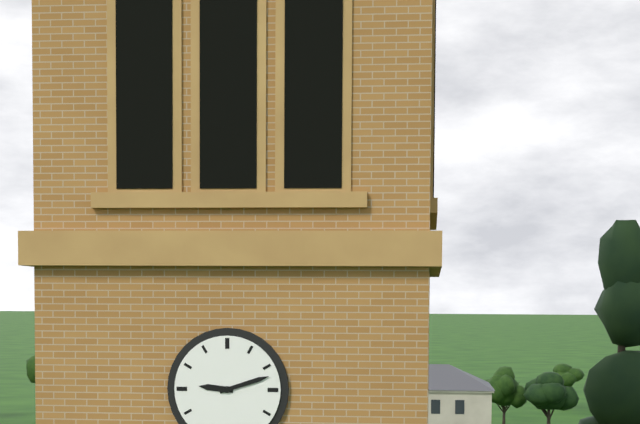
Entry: 9:12
